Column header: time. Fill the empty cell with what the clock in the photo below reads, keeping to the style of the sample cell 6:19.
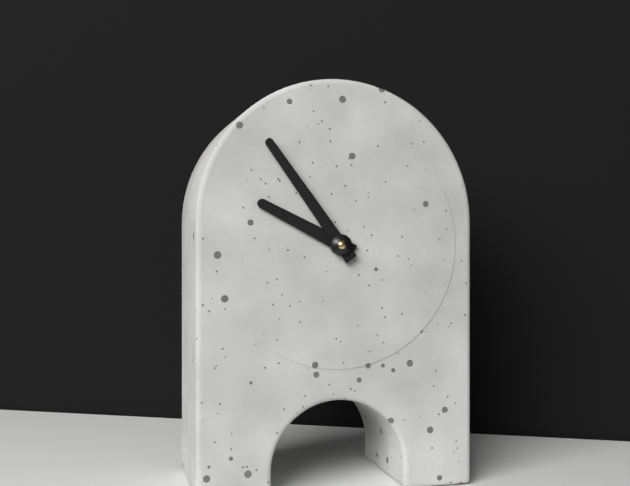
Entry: 9:54
